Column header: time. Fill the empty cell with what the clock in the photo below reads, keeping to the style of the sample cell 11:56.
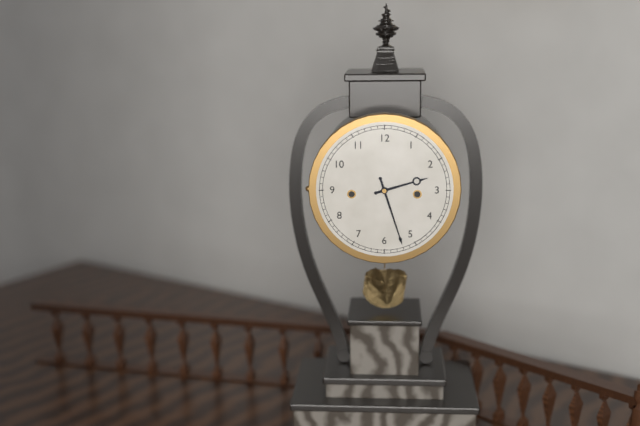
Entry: 2:27
